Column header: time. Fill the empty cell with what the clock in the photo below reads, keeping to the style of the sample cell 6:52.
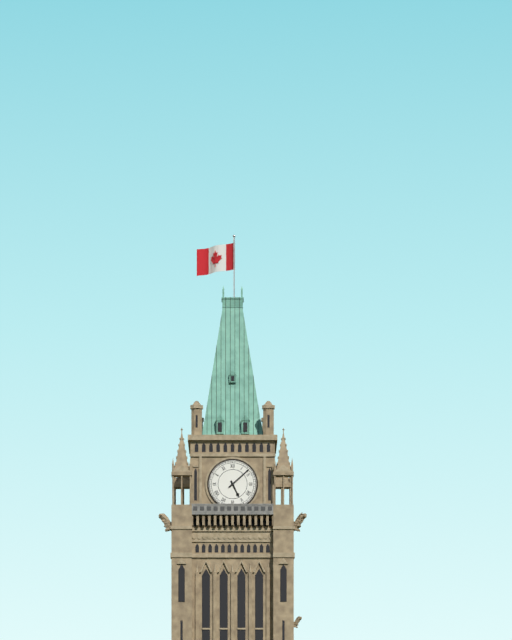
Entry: 5:08
